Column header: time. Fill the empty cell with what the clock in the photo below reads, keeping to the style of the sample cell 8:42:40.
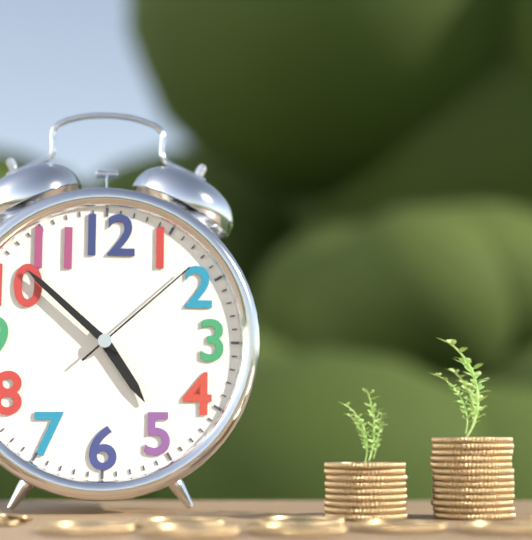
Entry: 4:52:08
